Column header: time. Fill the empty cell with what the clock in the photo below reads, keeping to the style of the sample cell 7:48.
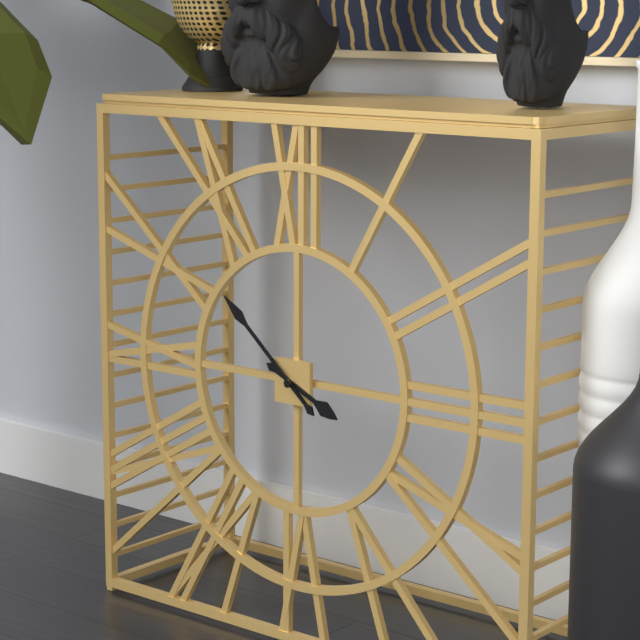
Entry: 3:52
